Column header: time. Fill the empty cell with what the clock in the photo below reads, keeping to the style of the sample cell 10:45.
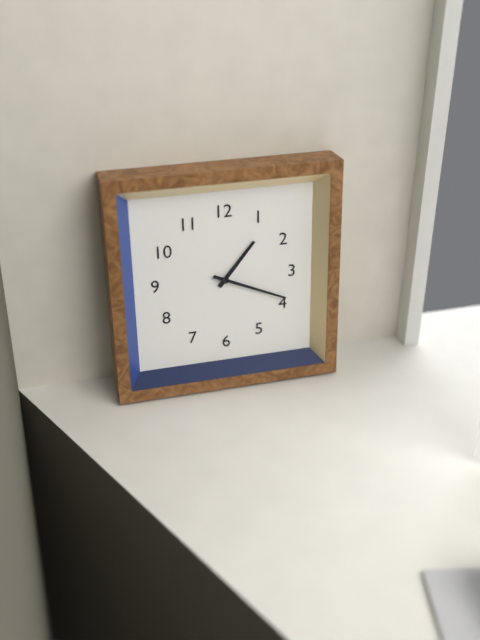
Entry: 1:19
